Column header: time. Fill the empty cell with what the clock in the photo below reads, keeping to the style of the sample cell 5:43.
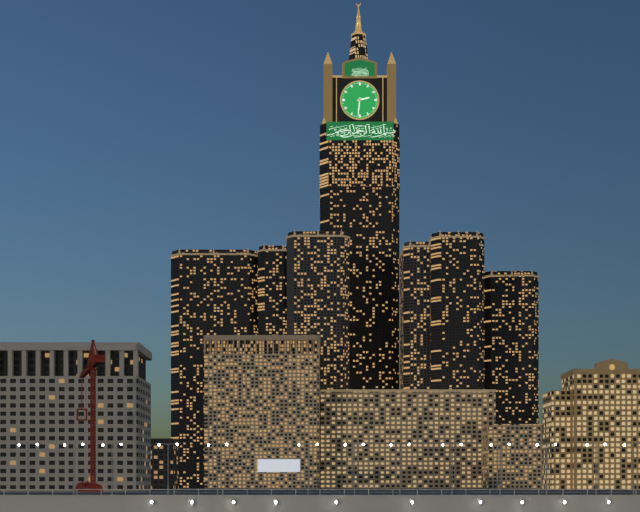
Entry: 2:31
